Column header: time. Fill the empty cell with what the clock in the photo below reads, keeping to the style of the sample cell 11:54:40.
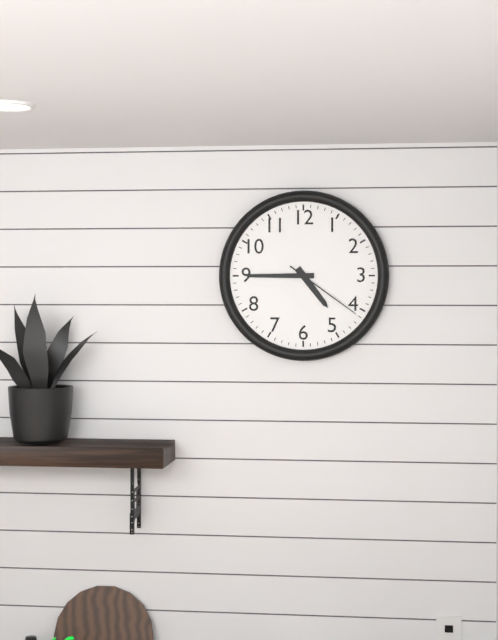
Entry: 4:45:21
